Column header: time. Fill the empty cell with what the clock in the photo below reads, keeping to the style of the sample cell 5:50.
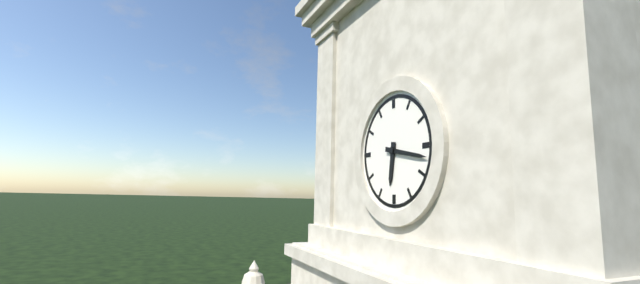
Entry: 6:17
